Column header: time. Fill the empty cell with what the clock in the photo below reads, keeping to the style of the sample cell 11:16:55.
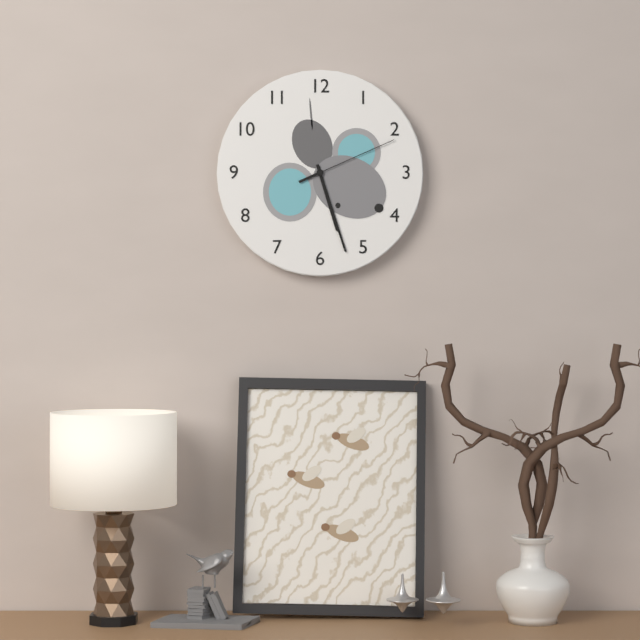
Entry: 5:27:11
